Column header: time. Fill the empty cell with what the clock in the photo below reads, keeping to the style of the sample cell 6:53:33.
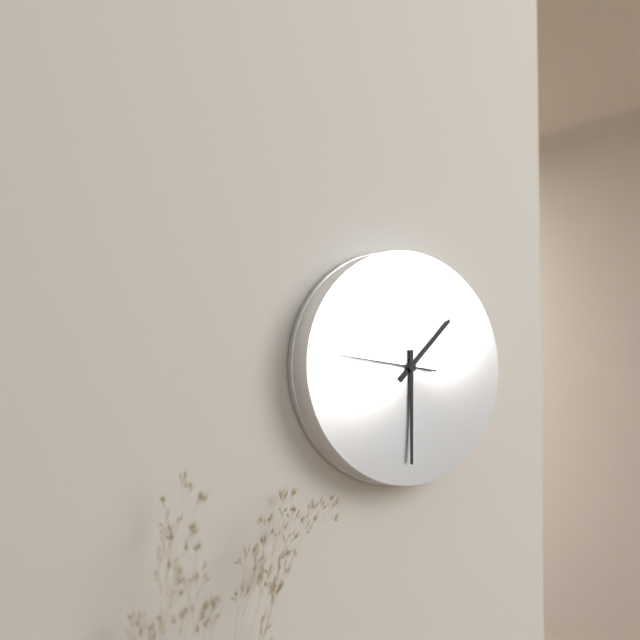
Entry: 1:30:46
